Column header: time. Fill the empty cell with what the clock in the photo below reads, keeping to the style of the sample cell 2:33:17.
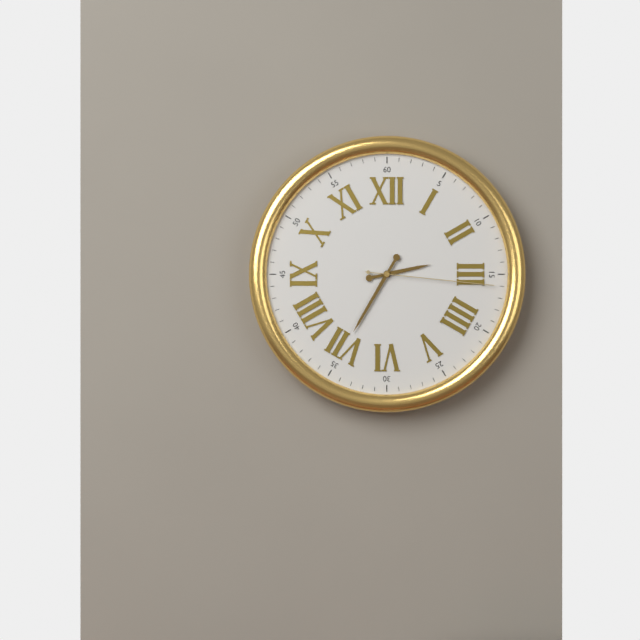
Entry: 2:35:16
